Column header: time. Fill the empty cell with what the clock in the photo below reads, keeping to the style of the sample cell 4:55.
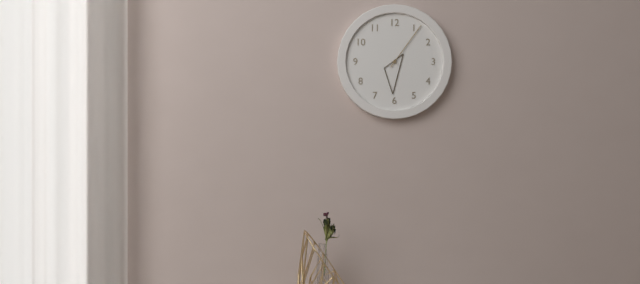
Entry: 6:06
